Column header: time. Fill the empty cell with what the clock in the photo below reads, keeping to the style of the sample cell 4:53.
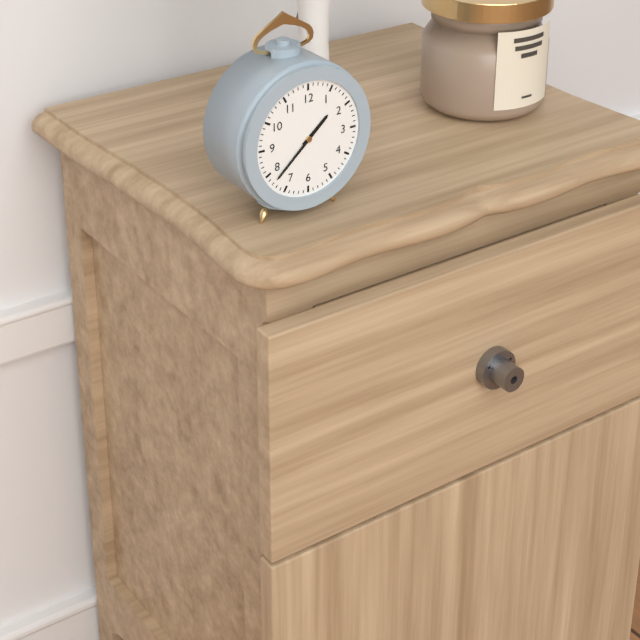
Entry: 1:38
